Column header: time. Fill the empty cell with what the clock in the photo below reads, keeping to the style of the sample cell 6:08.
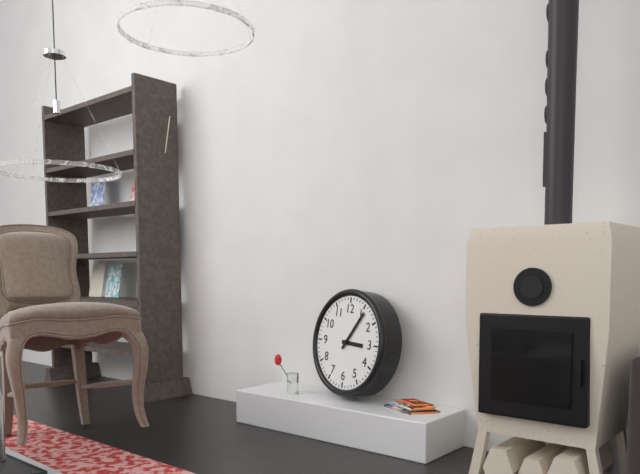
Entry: 3:06
